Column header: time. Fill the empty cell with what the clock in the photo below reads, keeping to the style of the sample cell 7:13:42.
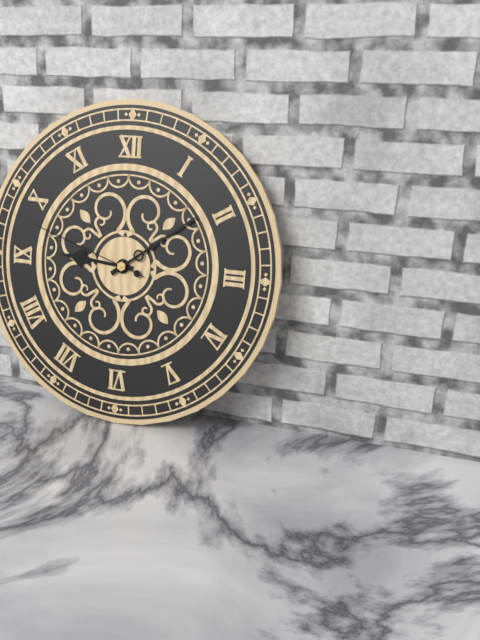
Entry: 9:09:48
